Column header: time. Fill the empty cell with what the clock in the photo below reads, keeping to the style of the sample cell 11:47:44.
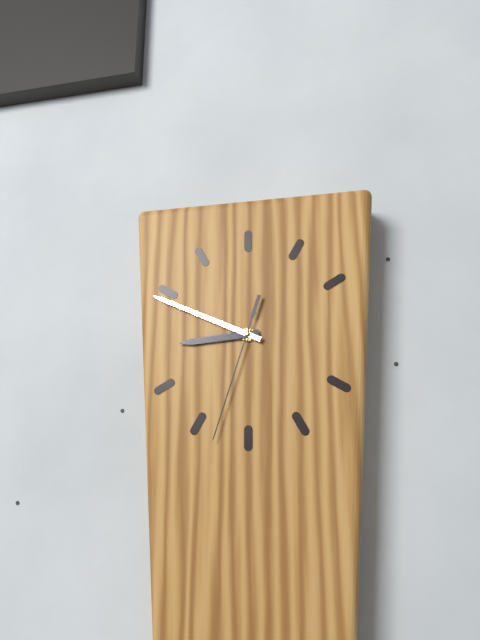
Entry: 8:49:33
